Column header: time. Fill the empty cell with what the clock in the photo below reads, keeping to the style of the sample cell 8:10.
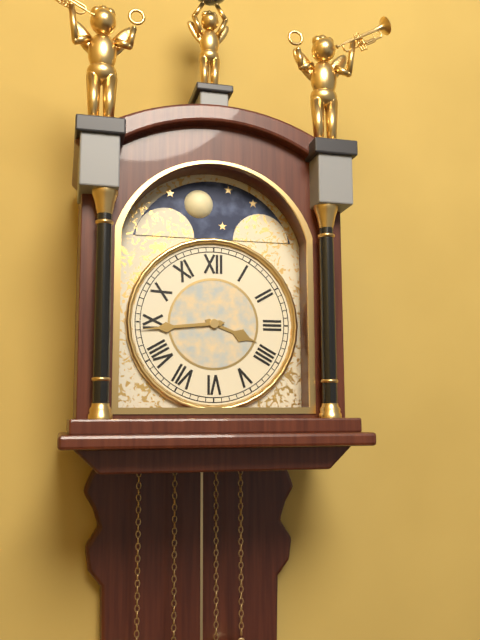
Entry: 3:44
